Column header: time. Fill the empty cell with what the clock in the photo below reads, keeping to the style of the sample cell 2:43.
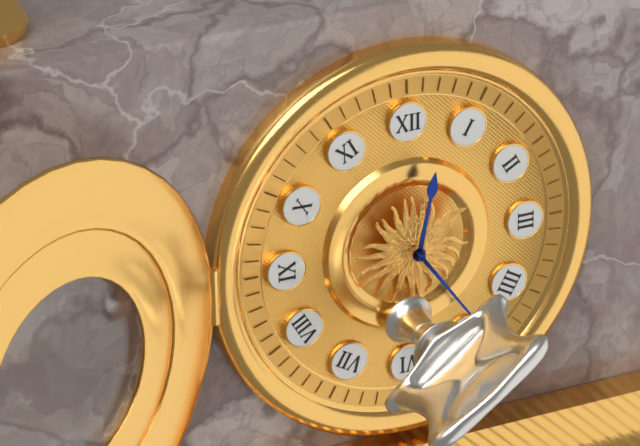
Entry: 12:24
